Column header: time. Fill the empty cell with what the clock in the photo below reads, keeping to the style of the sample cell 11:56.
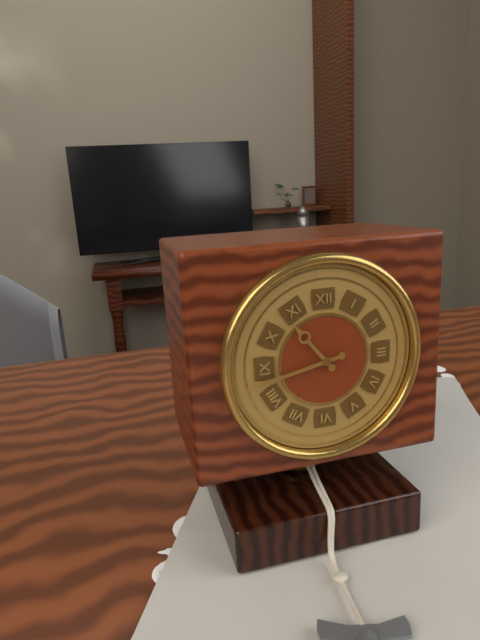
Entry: 10:43
